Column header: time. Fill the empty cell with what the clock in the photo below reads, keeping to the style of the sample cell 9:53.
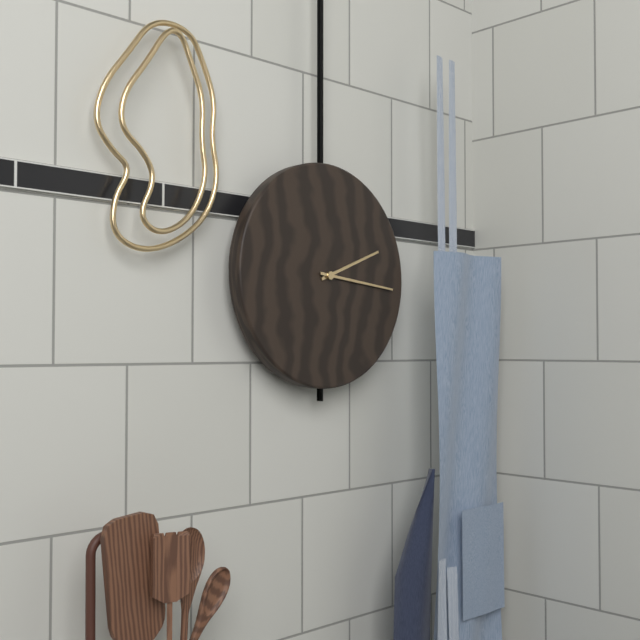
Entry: 2:16
